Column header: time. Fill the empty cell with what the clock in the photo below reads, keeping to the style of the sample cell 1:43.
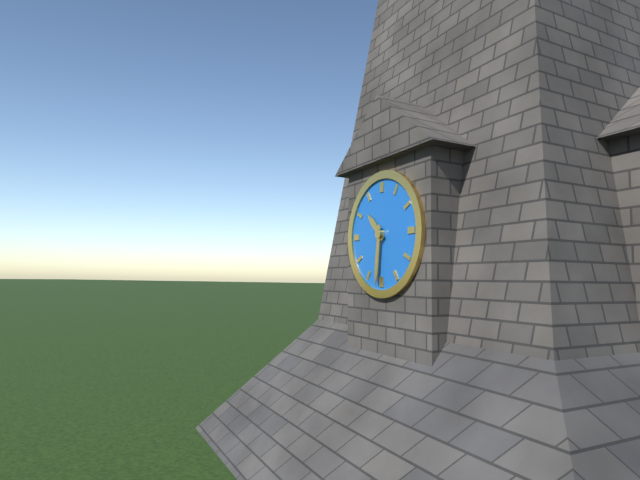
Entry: 10:31
